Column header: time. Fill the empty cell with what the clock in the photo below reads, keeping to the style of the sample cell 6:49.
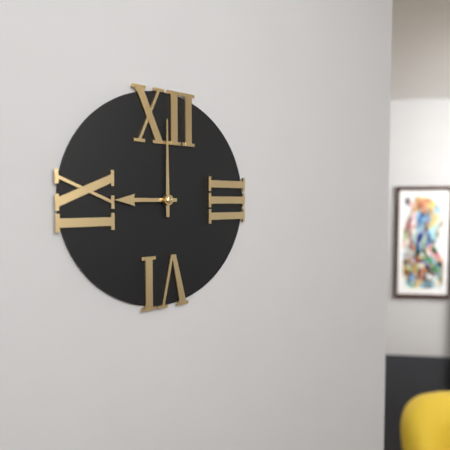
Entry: 9:00
